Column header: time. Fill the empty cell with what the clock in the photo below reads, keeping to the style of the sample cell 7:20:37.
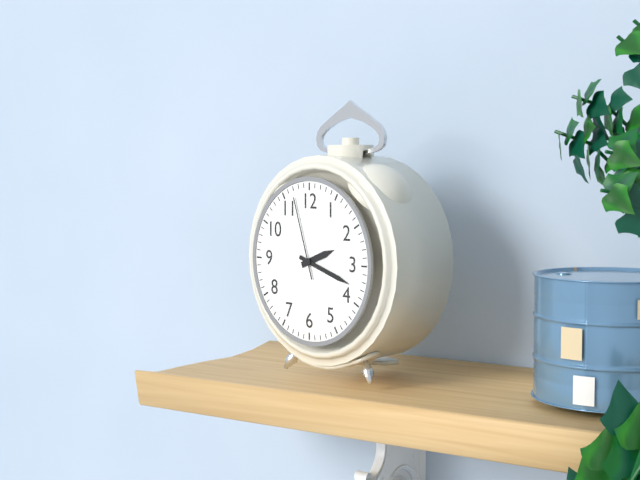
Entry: 2:18:57
